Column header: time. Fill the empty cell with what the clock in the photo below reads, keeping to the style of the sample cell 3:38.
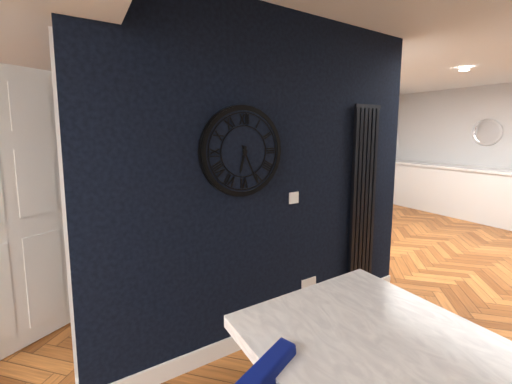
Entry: 6:26
